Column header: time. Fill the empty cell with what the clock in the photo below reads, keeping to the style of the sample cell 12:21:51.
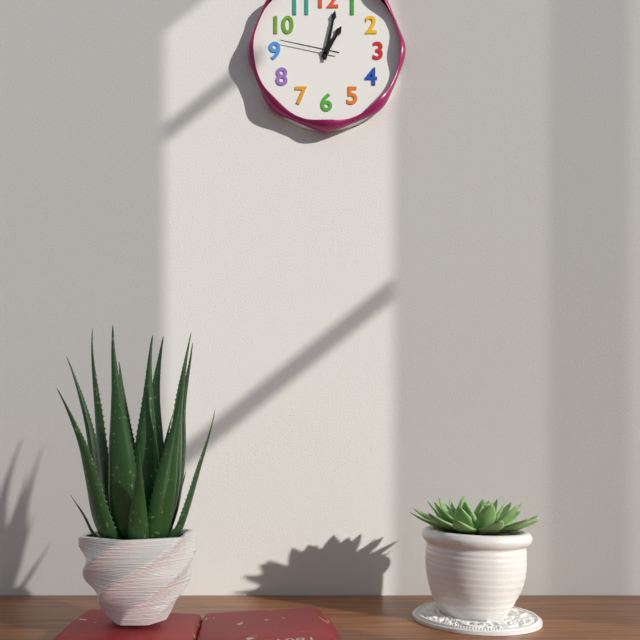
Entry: 1:02:47
